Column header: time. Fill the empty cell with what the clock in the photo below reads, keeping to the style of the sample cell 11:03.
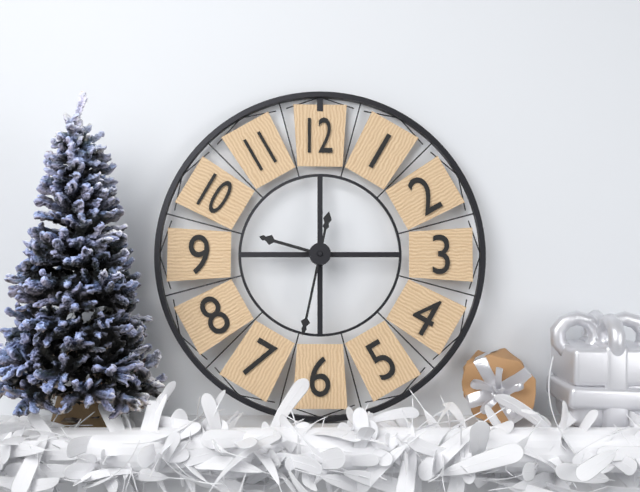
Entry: 9:32
